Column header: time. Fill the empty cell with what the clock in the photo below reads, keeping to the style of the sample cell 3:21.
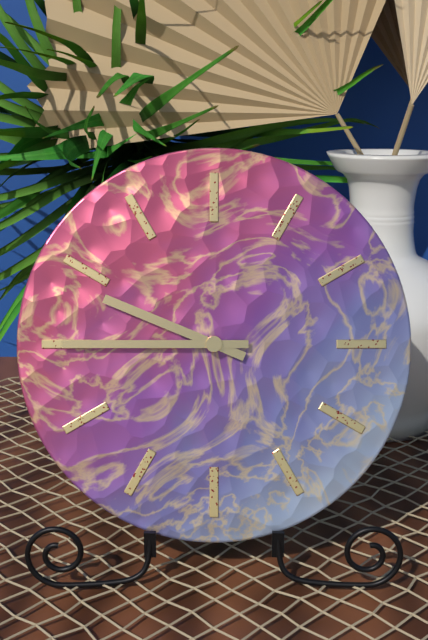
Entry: 9:45
